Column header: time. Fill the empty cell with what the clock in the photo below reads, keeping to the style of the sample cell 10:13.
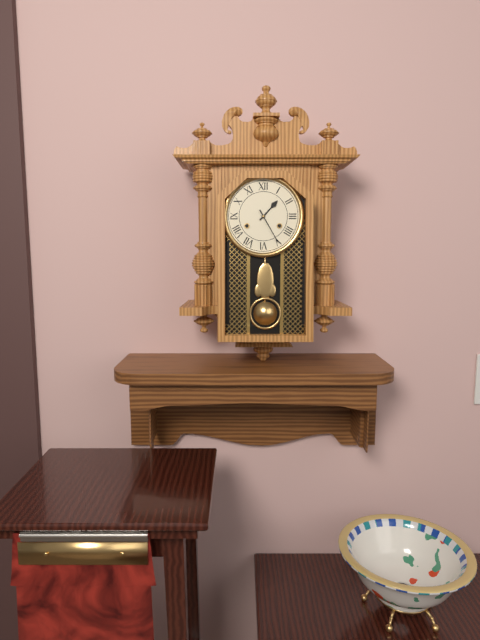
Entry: 1:25
